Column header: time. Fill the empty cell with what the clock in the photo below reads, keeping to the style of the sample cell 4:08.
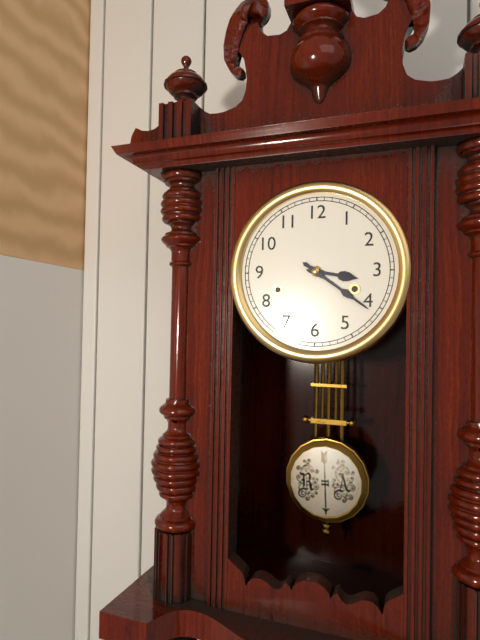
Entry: 3:21
